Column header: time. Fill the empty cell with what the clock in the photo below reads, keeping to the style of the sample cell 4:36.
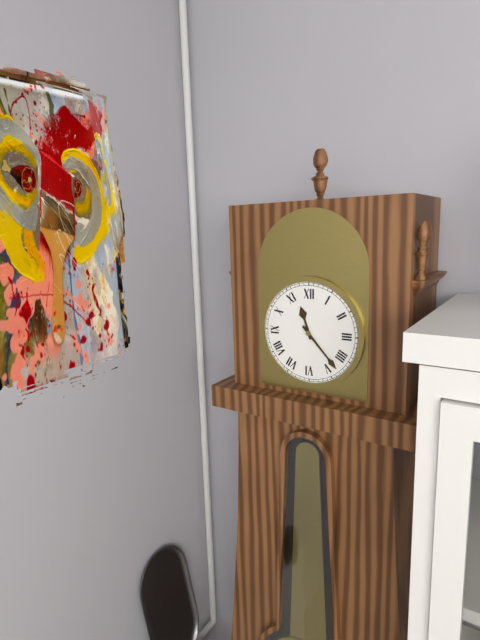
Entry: 11:23
